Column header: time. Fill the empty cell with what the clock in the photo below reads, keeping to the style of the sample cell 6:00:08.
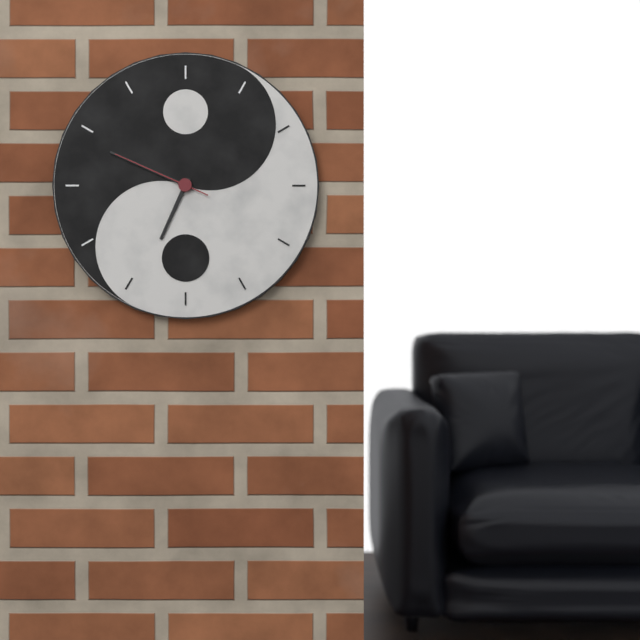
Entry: 6:49:49
